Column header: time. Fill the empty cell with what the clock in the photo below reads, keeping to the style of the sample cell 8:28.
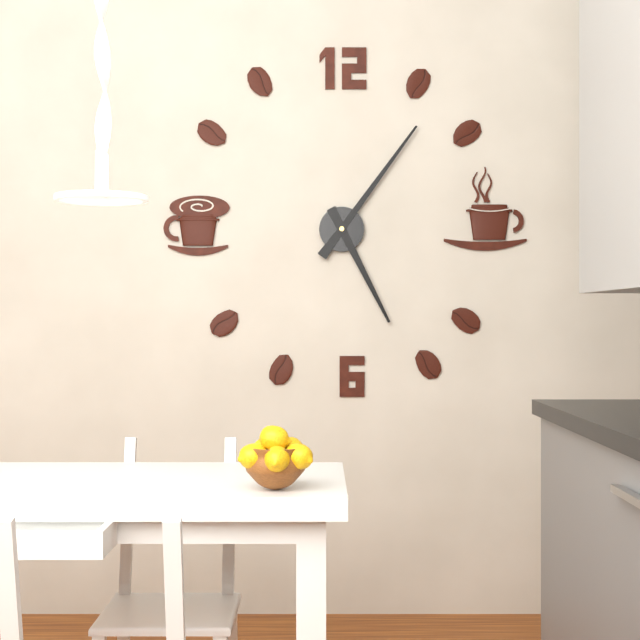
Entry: 5:06
